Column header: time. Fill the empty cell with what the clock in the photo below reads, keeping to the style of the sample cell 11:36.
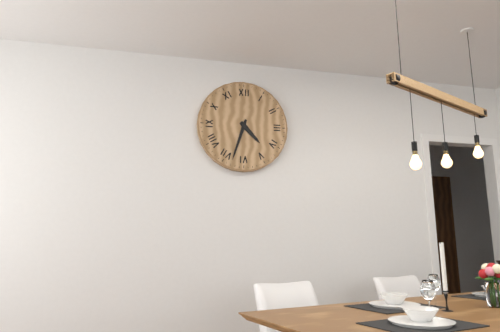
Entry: 4:33
